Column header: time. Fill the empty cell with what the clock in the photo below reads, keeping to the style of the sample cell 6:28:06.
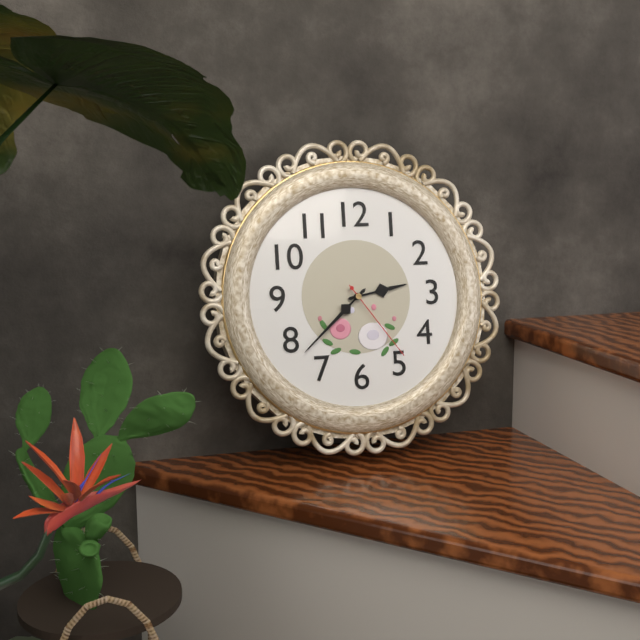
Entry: 2:38:24
